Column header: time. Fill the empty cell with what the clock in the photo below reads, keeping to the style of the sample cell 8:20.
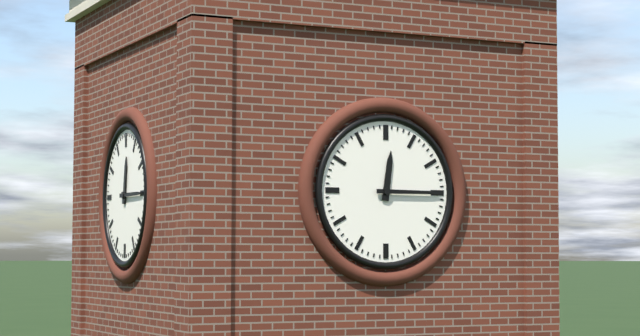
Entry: 12:15
